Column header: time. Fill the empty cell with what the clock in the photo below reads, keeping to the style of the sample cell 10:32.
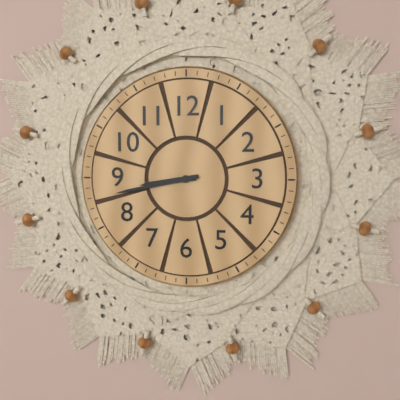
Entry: 8:43
